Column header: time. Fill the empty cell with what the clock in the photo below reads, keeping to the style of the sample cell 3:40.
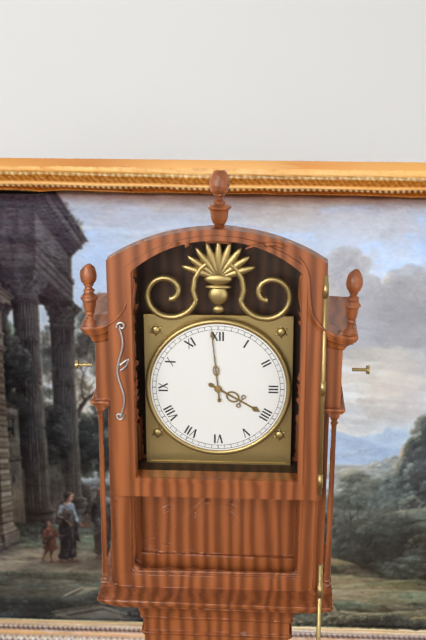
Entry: 3:59
